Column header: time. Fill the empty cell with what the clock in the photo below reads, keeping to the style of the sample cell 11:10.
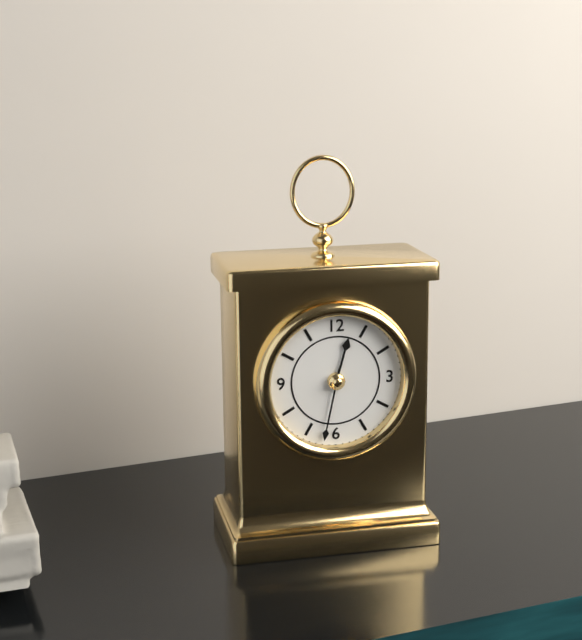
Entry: 12:32
